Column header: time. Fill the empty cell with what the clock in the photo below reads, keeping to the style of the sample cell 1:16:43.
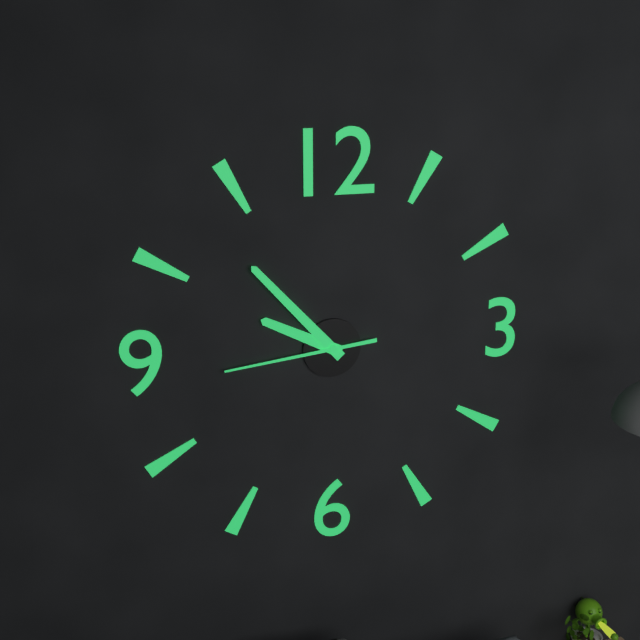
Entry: 9:53:44
